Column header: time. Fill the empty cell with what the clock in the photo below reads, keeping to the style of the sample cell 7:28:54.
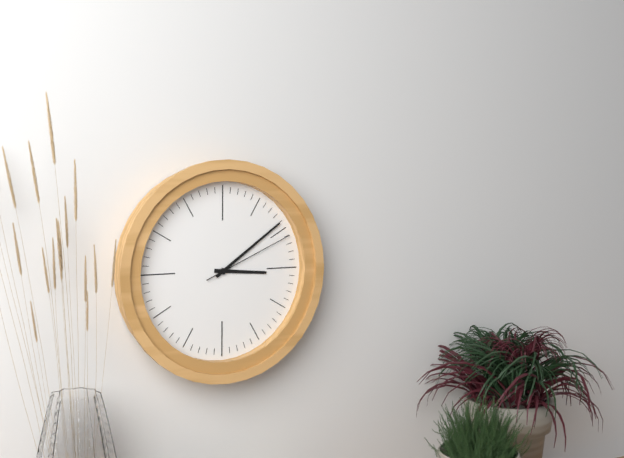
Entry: 3:09:11
